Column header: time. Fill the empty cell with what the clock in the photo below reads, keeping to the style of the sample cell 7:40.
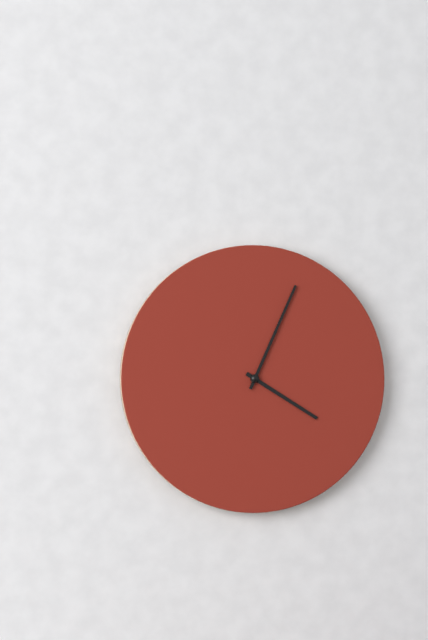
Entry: 4:04
